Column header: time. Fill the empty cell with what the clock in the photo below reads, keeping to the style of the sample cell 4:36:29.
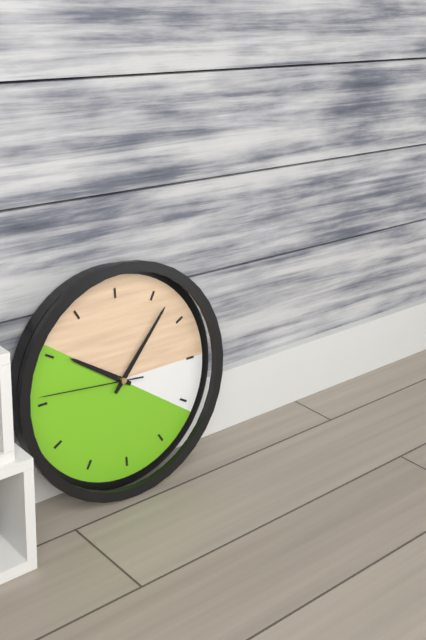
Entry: 10:07:46
